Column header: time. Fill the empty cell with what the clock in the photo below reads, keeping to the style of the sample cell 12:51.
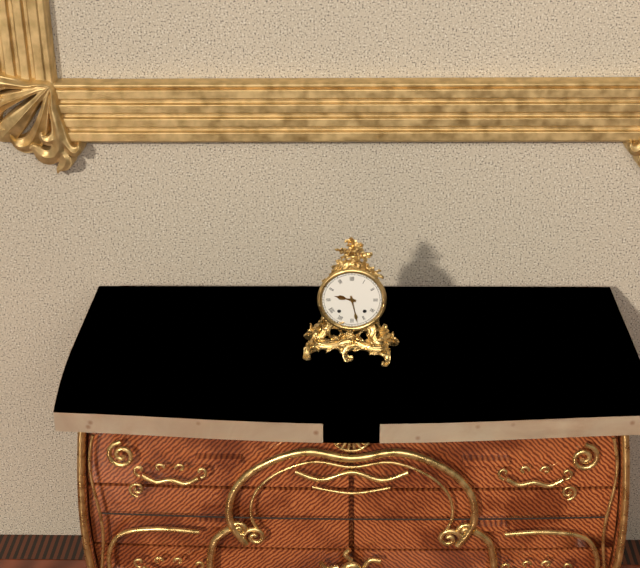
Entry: 9:28
